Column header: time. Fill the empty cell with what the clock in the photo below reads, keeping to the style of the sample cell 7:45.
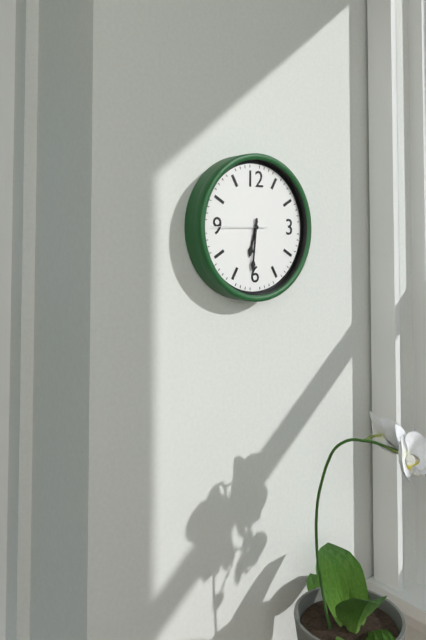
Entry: 6:31
